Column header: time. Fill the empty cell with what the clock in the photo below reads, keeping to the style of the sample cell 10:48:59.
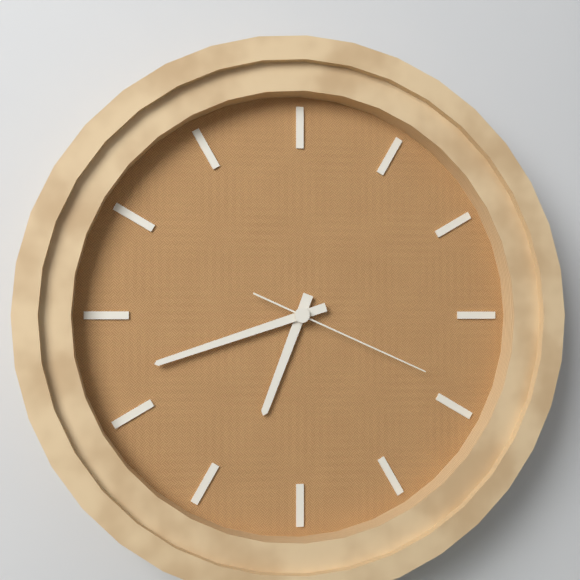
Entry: 6:42:19
